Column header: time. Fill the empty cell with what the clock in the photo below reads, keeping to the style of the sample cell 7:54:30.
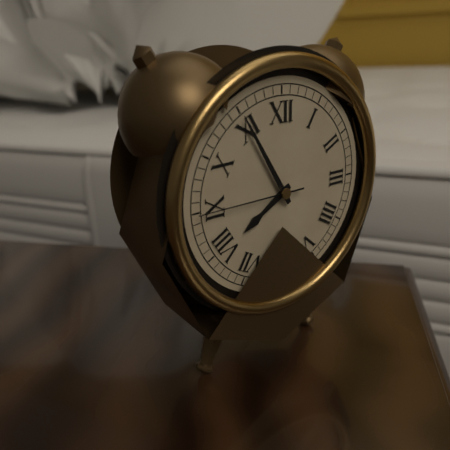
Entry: 7:55:45
